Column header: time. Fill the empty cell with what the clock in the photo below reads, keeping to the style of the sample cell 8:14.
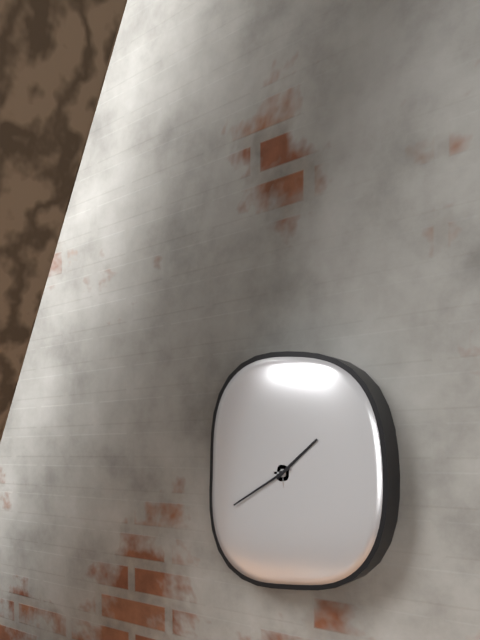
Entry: 1:40
